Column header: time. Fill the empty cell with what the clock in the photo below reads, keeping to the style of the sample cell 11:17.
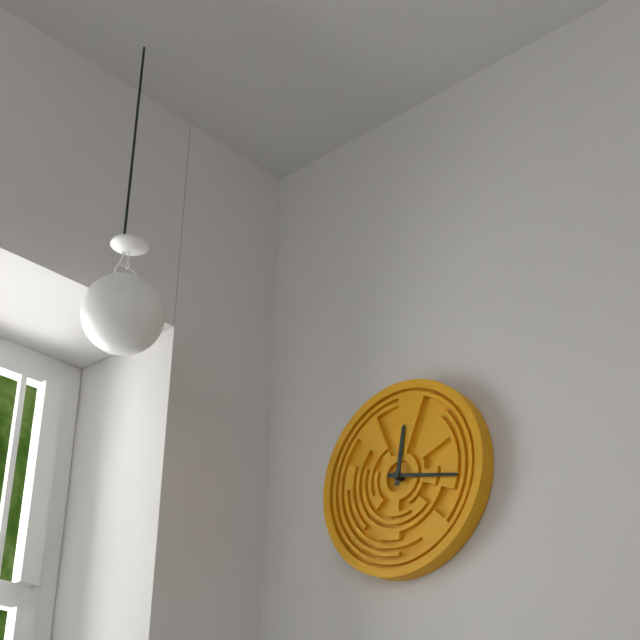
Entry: 12:17
